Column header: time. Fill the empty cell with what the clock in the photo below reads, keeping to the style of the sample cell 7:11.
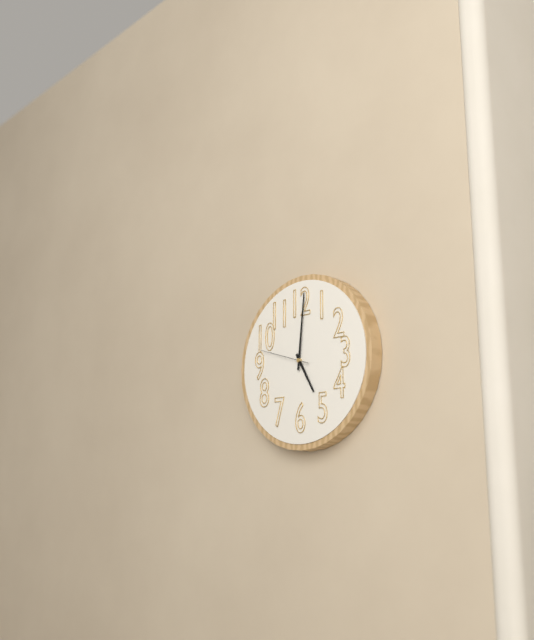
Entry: 5:01
